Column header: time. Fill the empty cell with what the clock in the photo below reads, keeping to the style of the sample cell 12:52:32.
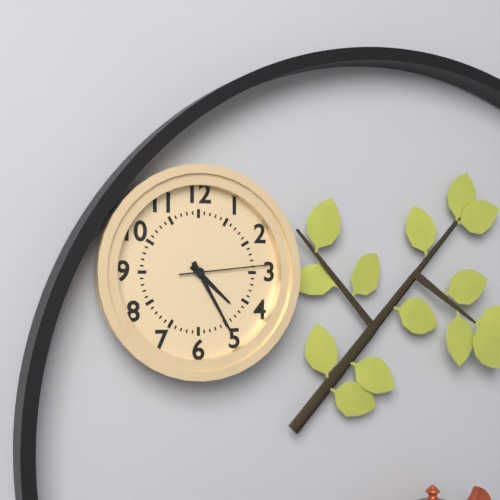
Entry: 4:25:14
